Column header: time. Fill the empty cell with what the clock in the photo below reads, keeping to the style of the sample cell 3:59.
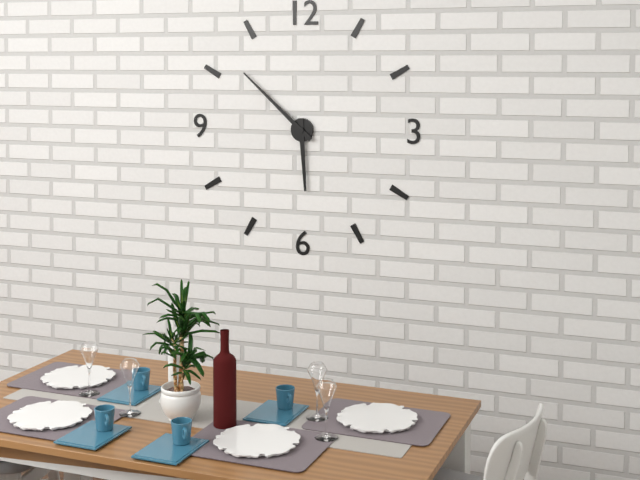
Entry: 5:52
